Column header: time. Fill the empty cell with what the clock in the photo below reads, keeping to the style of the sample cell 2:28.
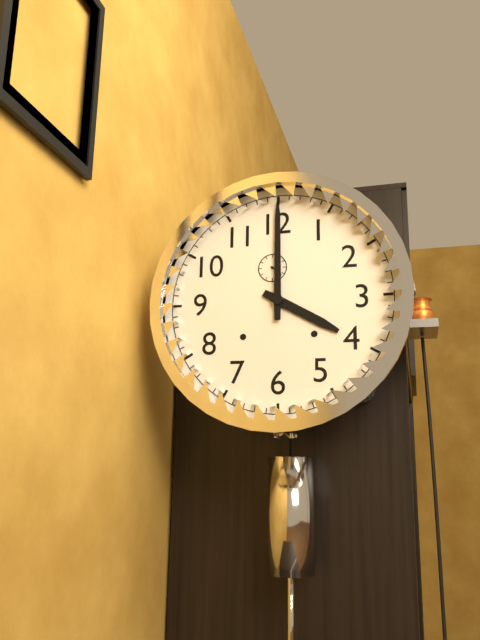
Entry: 4:00
